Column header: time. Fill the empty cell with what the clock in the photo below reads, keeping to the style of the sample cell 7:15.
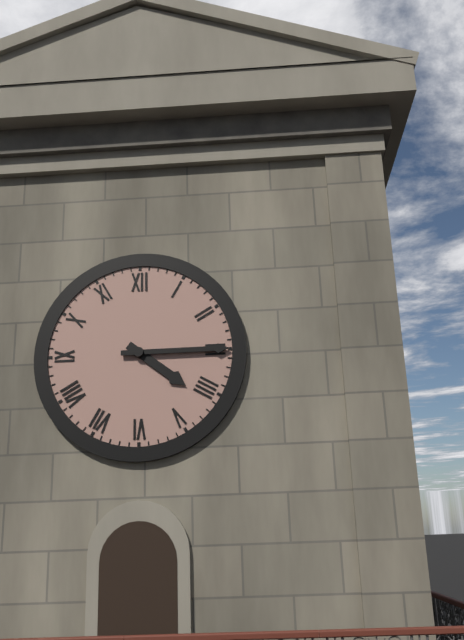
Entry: 4:15
